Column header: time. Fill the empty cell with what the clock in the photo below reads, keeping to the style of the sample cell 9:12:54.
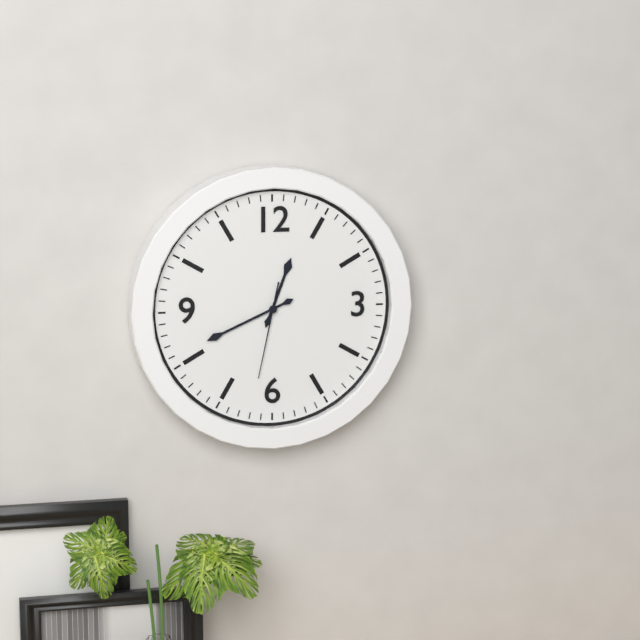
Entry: 12:41:32
